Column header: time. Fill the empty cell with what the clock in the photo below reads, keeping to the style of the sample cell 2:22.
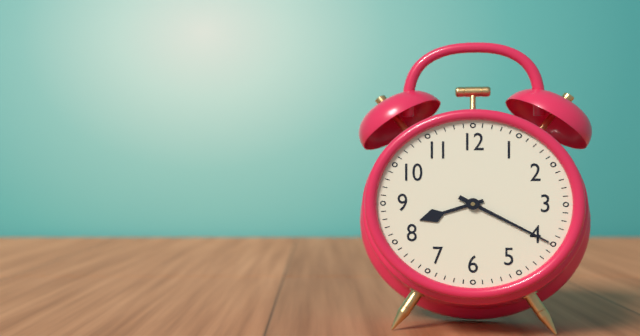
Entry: 8:20
